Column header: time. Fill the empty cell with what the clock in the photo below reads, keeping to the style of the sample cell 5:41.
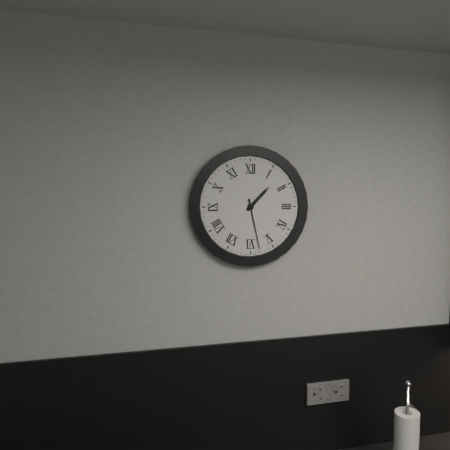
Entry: 1:28
